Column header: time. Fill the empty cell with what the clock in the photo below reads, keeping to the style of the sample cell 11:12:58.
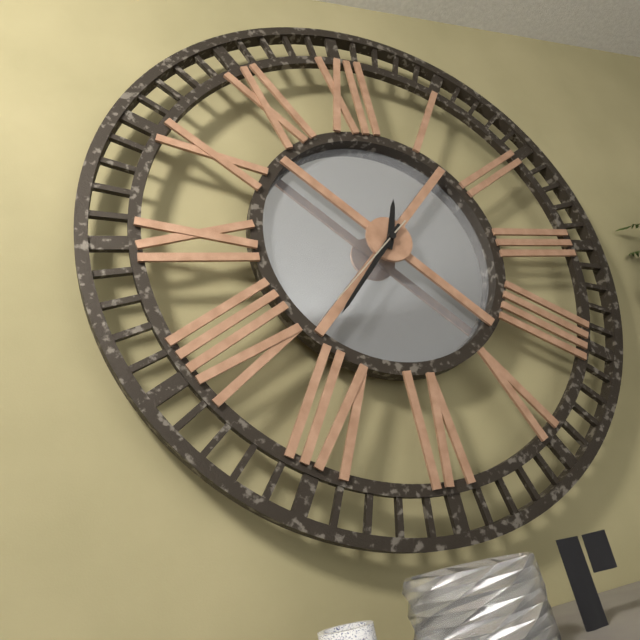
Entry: 12:37:38
